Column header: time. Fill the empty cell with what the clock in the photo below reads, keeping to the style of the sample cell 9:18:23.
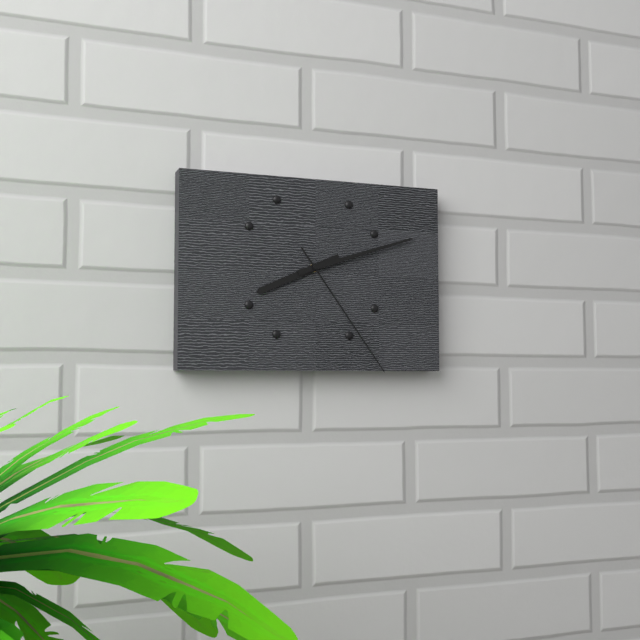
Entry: 8:12:24
